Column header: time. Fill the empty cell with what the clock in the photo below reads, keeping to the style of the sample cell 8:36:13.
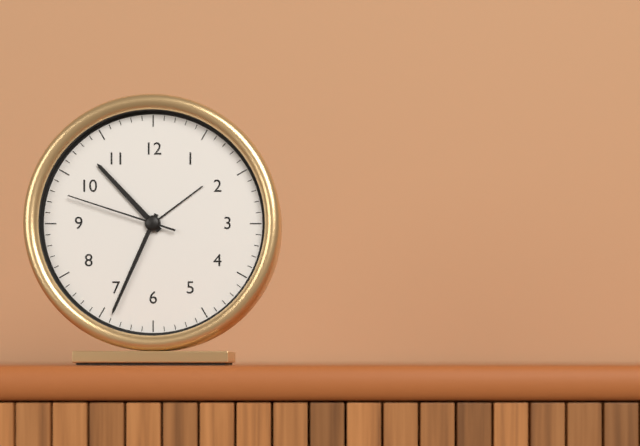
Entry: 10:34:48
